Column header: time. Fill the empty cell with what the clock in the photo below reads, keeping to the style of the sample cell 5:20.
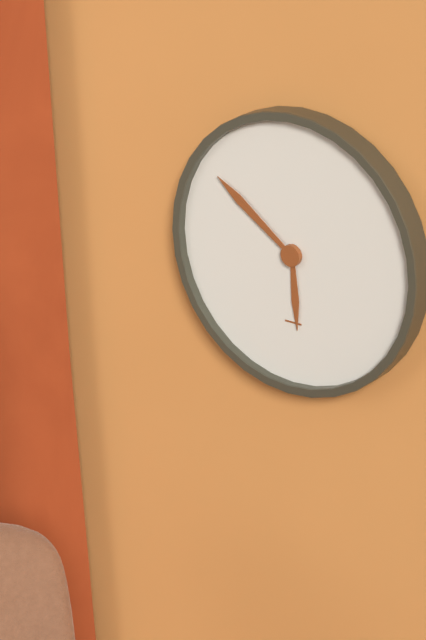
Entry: 5:51
